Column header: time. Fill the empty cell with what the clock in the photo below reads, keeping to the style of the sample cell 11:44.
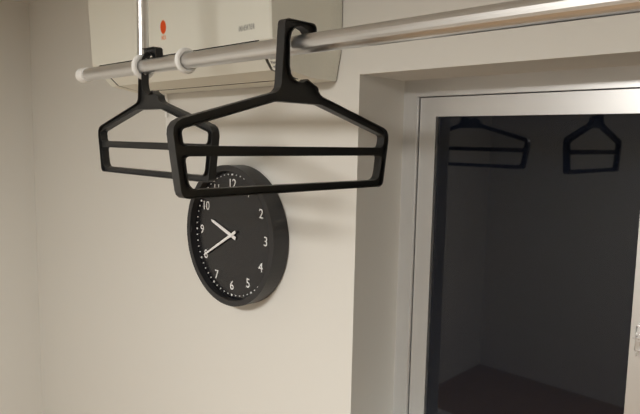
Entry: 9:40
